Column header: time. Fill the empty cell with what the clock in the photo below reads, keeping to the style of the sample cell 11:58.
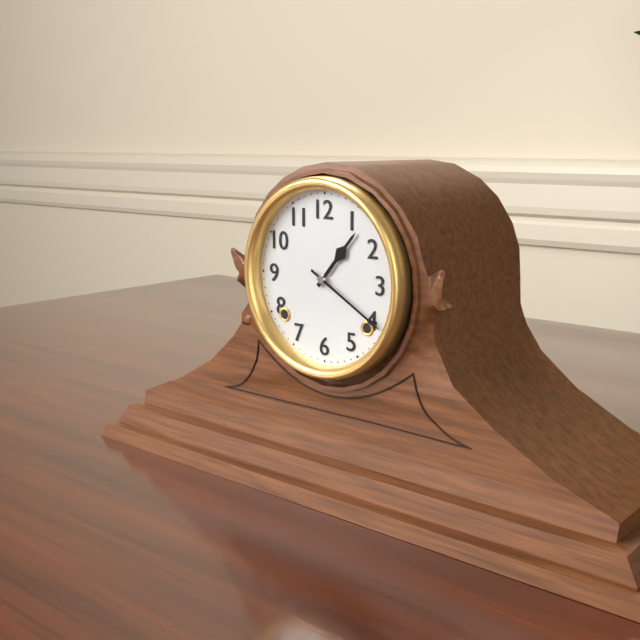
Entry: 1:20
